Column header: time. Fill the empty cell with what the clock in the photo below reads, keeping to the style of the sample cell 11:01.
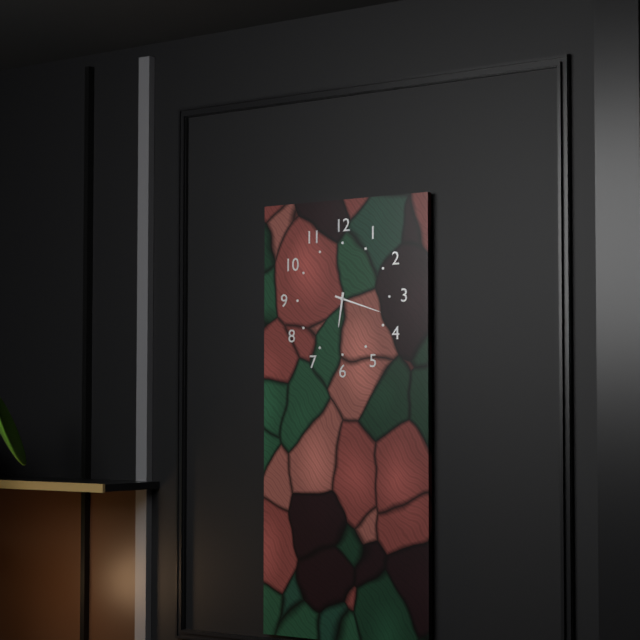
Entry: 6:18
